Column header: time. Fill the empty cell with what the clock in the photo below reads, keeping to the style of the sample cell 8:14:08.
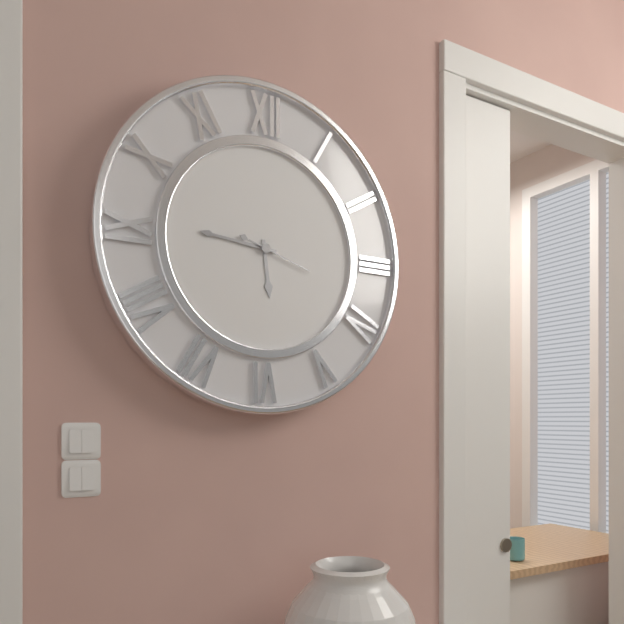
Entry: 5:46:18
